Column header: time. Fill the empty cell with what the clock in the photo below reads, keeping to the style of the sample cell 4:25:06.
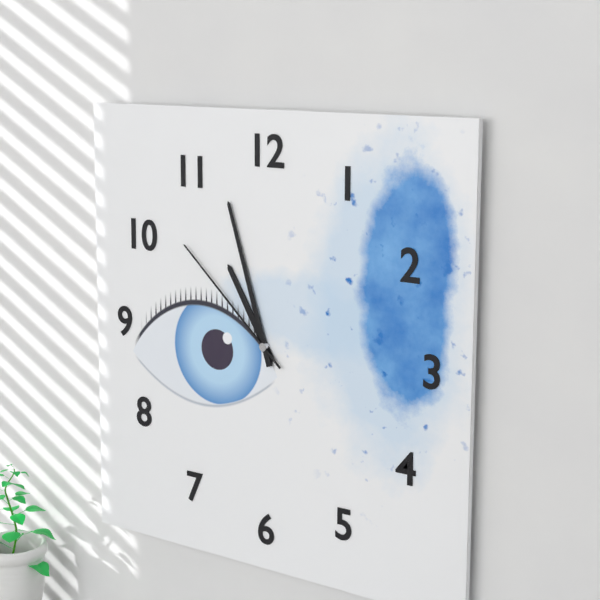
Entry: 10:57:52
